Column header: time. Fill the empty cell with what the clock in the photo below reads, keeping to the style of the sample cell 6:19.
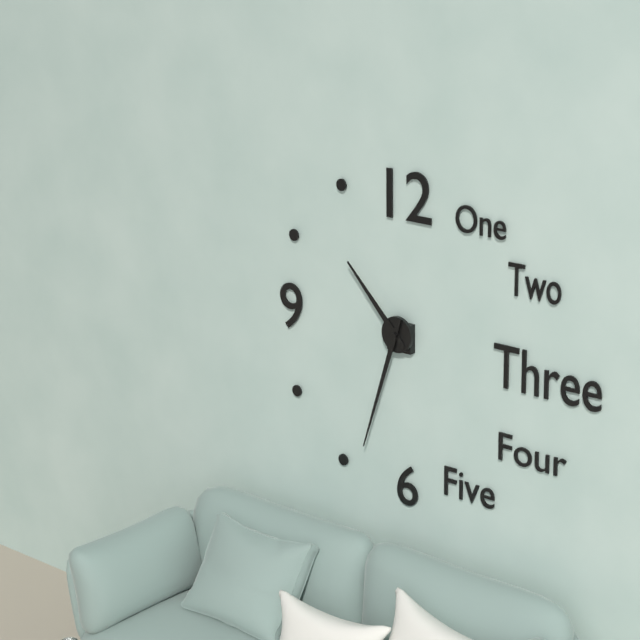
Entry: 10:33
